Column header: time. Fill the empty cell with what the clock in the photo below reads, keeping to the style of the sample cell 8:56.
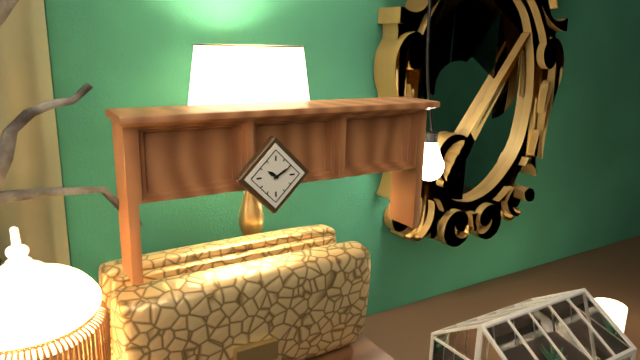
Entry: 10:10
